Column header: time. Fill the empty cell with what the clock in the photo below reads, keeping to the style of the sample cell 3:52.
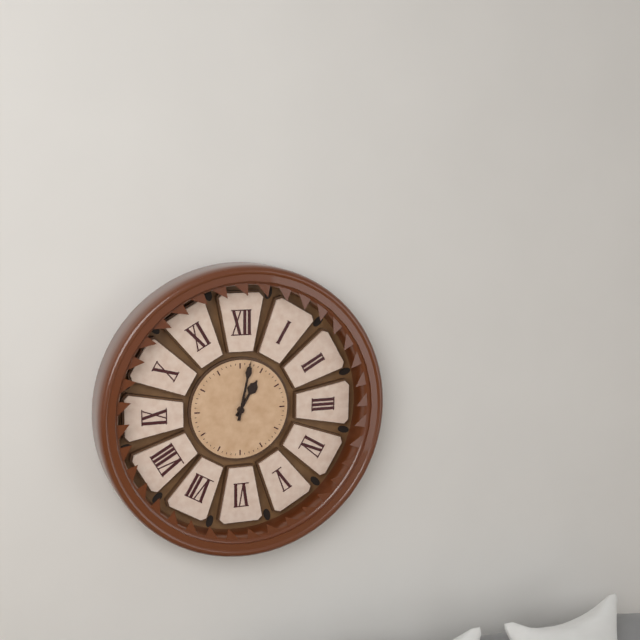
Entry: 1:02
